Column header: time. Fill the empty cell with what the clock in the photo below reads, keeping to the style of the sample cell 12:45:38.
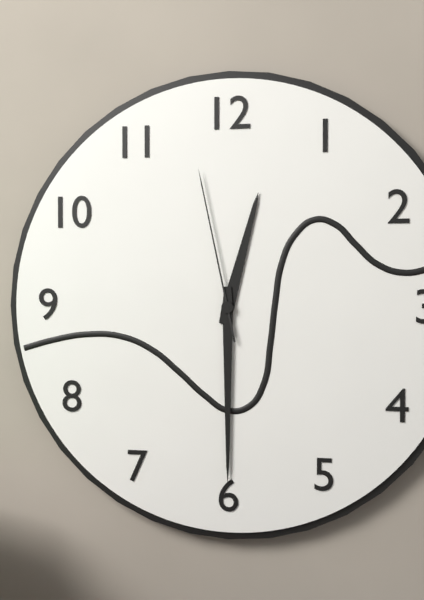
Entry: 12:30:58
